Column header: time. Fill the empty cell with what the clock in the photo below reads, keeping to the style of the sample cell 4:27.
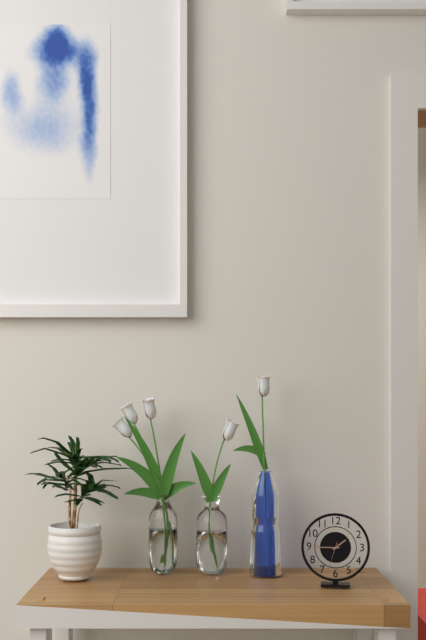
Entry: 1:45
